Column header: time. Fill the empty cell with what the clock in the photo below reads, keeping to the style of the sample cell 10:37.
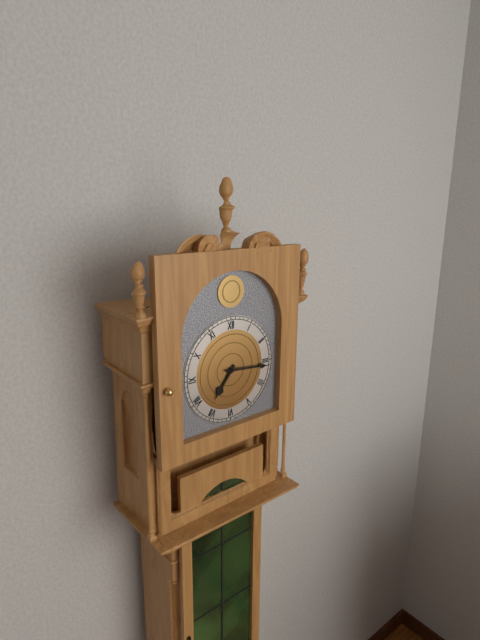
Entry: 7:16
